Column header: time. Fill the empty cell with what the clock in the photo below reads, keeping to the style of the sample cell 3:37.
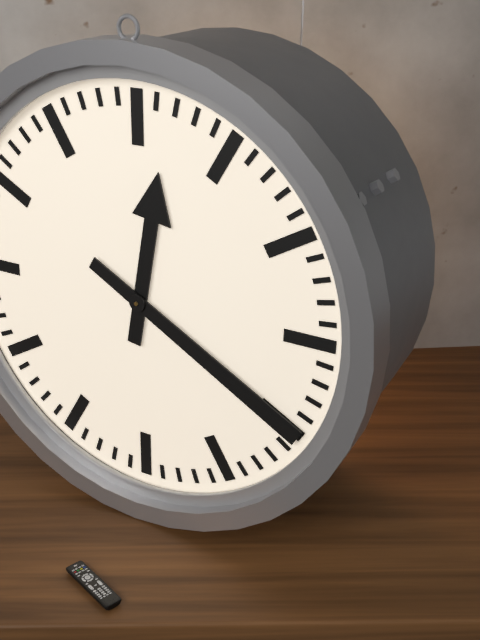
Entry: 12:20
